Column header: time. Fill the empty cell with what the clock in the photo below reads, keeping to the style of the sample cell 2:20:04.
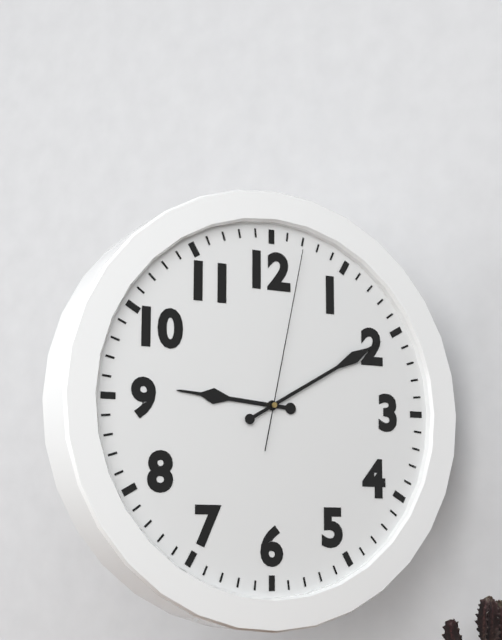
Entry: 9:10:02
